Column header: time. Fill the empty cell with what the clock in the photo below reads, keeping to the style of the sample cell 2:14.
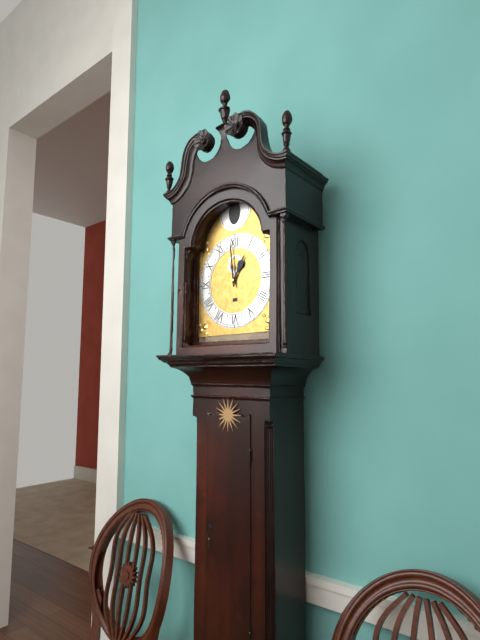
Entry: 12:59
